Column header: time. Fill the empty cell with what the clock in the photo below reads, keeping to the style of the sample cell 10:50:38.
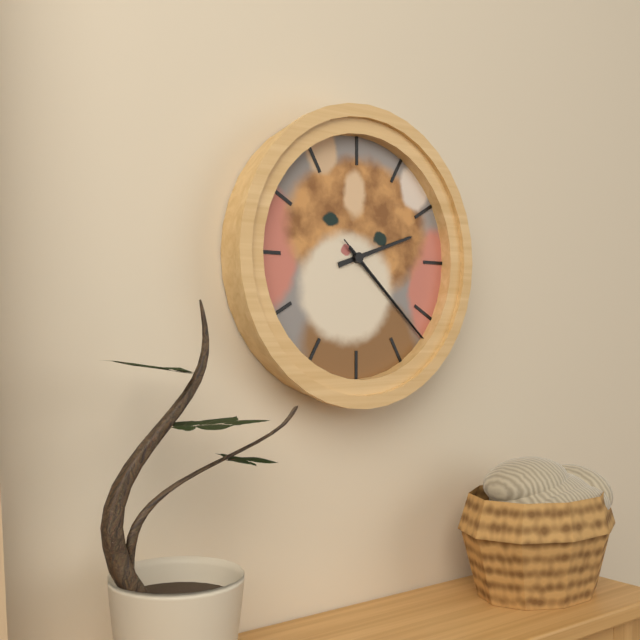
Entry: 2:22:22
